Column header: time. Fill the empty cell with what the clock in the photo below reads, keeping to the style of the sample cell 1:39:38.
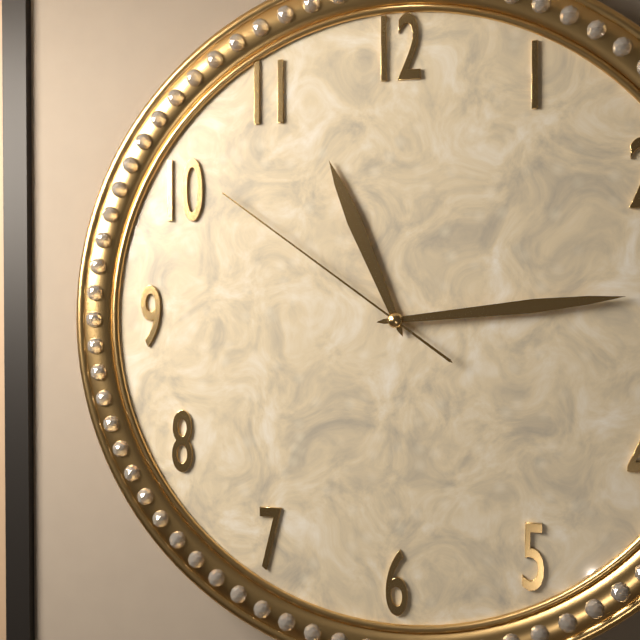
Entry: 11:14:51
